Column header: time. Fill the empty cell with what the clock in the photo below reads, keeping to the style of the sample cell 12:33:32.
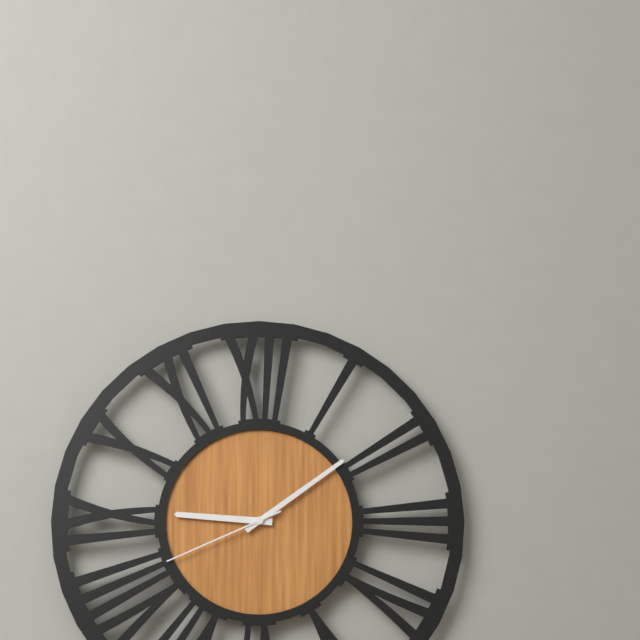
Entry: 9:09:41
